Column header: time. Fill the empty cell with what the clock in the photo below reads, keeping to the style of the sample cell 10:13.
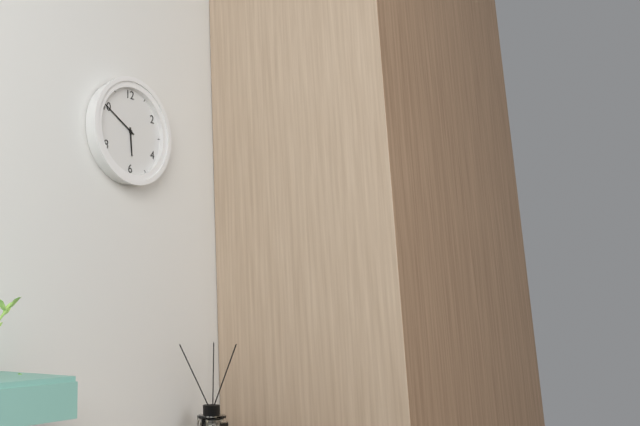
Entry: 5:50
